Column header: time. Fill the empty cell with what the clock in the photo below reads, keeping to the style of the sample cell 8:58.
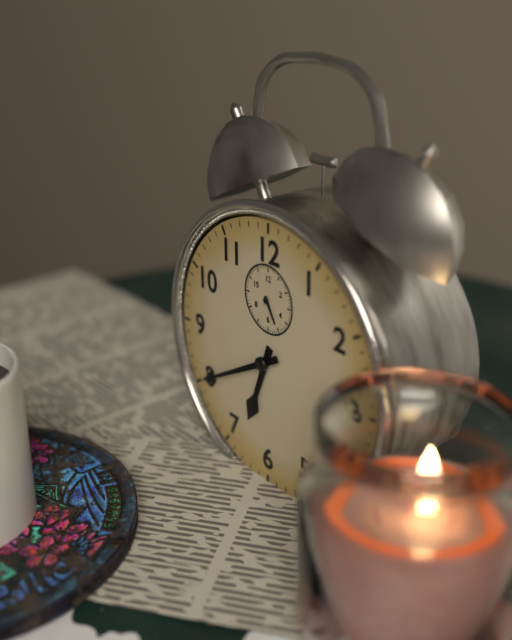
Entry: 6:40
